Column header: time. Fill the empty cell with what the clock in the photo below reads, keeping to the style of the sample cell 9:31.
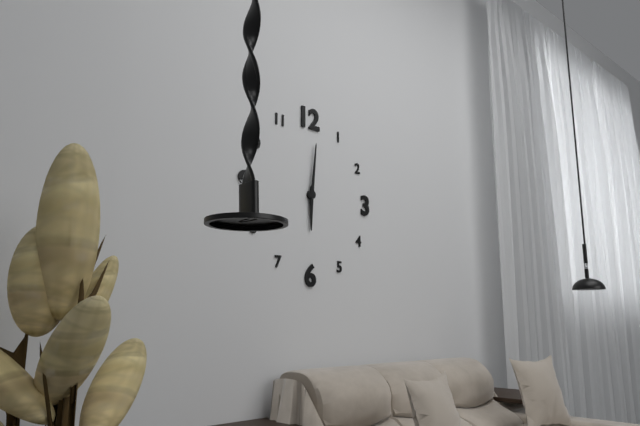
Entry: 6:01
